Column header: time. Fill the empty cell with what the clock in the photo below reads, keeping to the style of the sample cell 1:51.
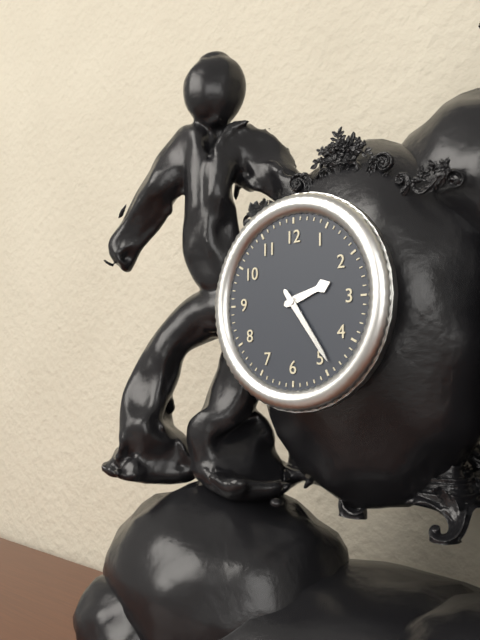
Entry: 2:24
